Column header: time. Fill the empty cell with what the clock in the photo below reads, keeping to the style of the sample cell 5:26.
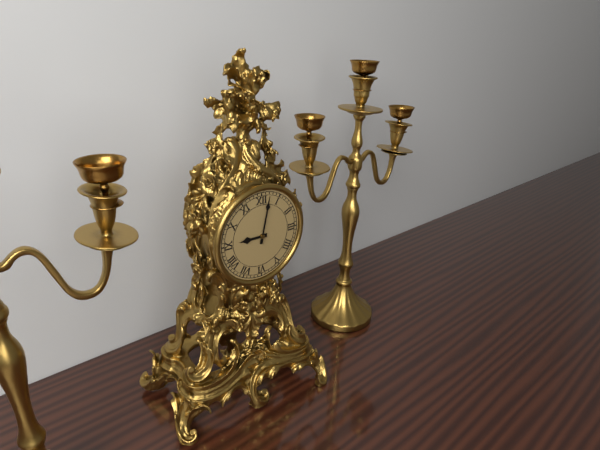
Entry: 9:02
